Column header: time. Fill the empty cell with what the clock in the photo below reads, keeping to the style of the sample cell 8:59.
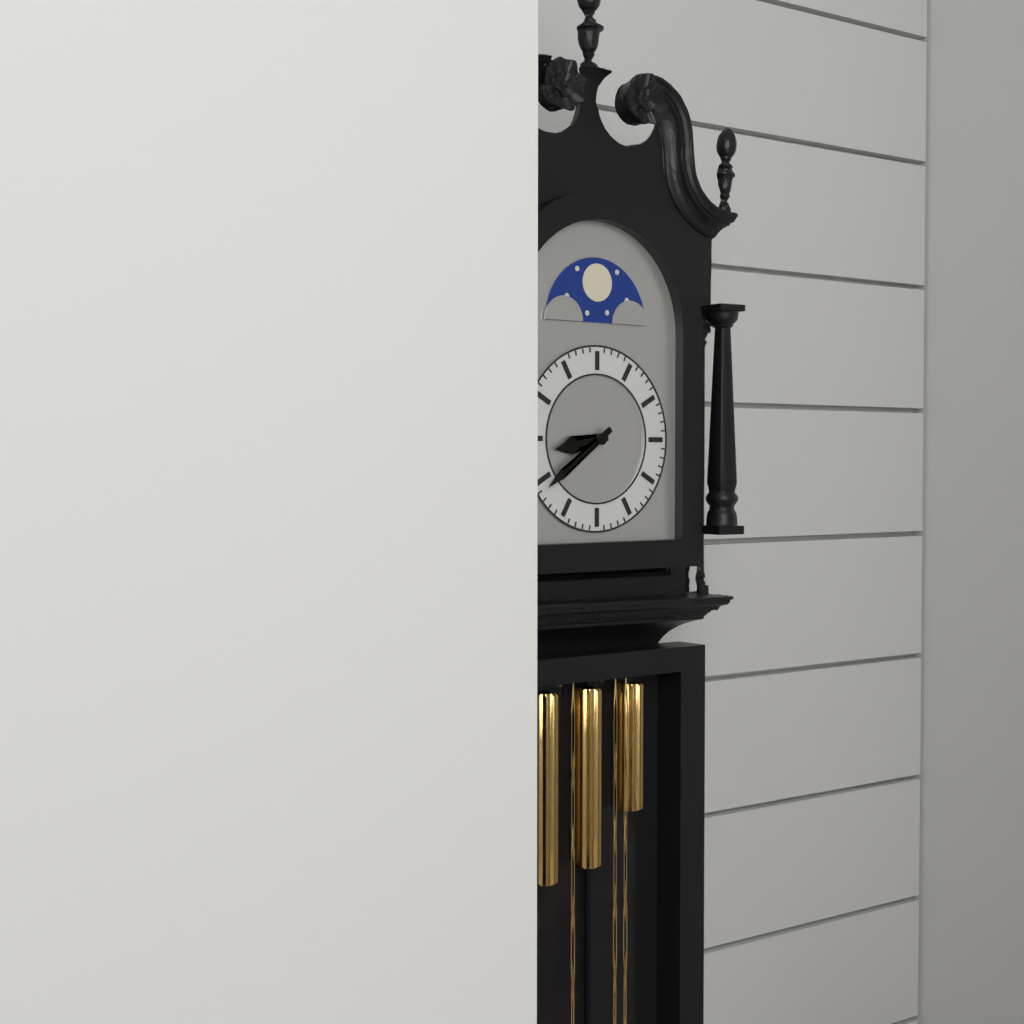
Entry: 8:39
